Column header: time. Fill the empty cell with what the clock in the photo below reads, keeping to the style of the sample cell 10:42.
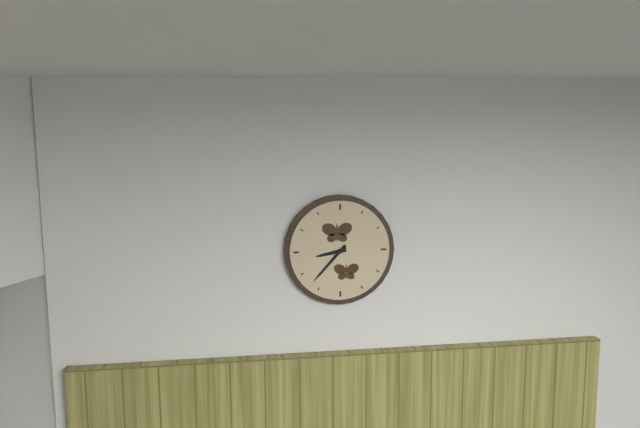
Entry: 8:37
